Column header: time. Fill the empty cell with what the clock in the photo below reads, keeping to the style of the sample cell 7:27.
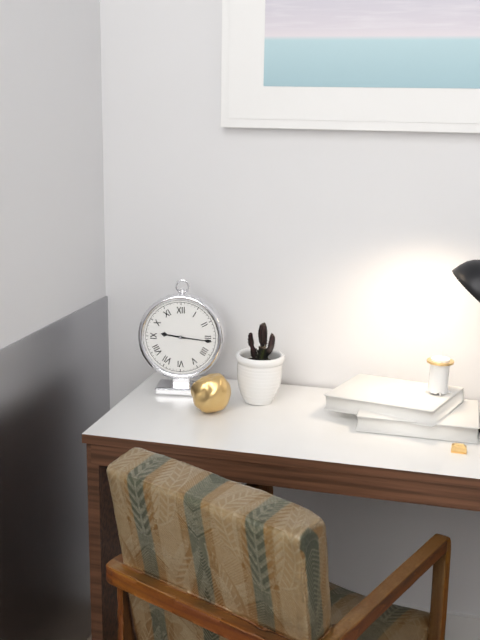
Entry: 9:16
